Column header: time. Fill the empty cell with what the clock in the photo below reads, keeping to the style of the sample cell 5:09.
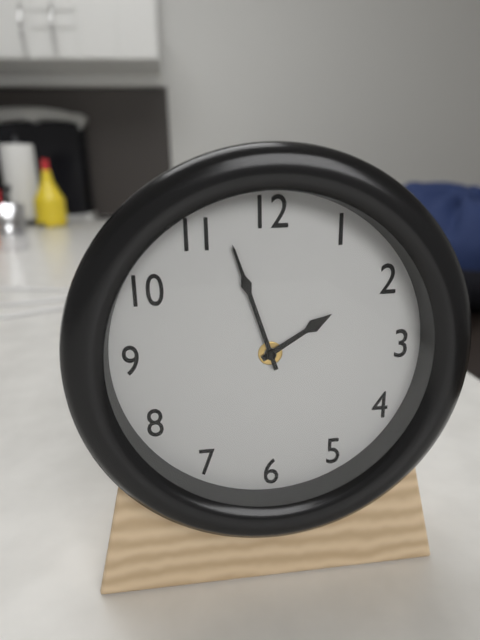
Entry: 1:57
